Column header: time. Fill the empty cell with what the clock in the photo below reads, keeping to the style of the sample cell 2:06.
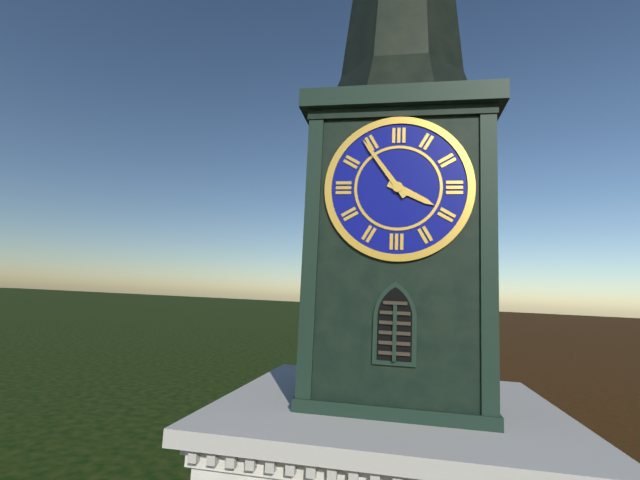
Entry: 3:54
